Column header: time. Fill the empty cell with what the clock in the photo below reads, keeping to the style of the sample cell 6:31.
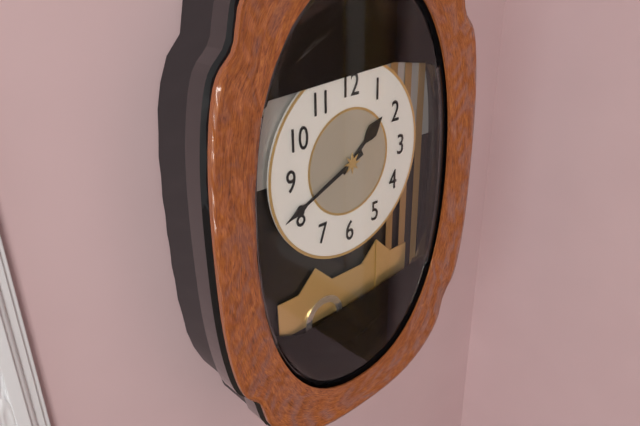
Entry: 1:41
